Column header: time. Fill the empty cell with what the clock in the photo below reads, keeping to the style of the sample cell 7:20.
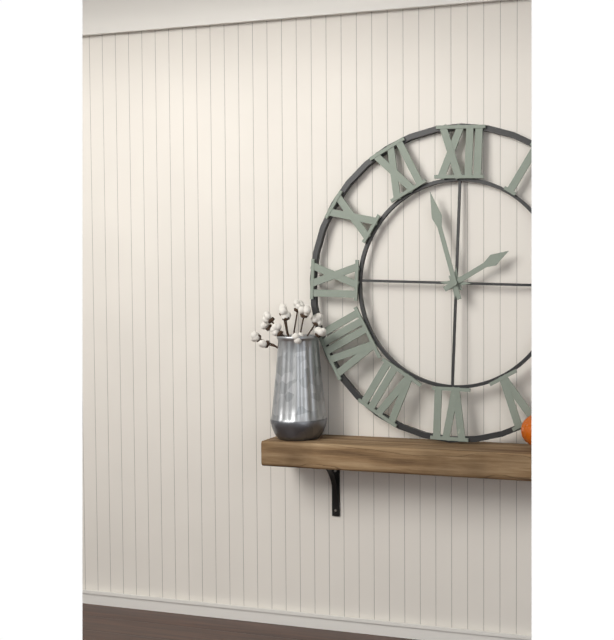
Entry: 1:57
